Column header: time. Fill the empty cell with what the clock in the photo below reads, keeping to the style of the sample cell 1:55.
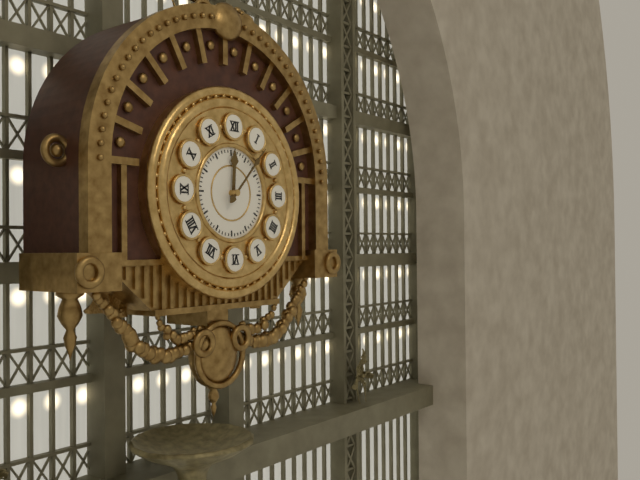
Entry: 12:07
